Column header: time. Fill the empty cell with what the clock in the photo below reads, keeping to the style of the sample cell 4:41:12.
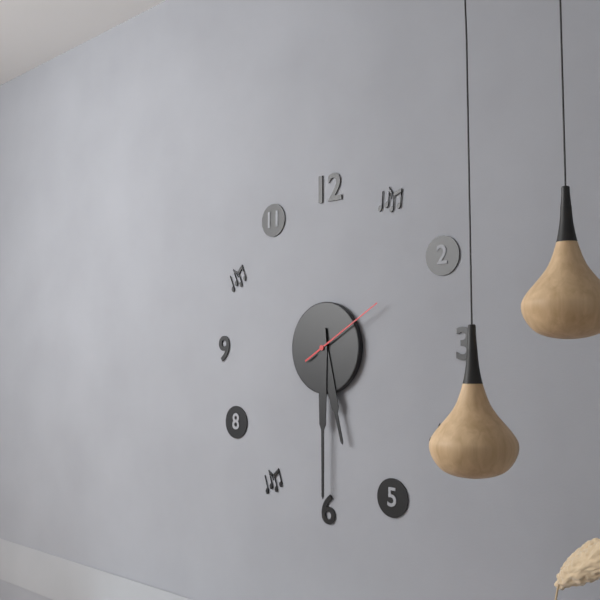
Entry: 5:30:10
